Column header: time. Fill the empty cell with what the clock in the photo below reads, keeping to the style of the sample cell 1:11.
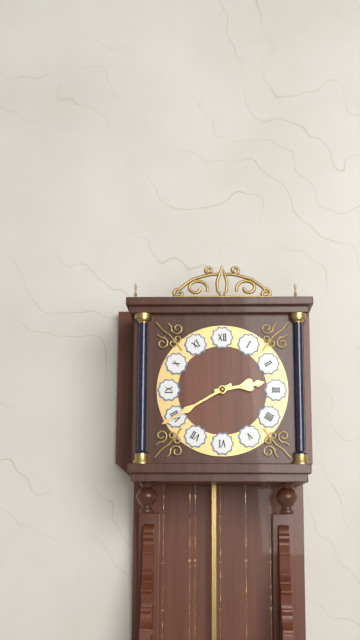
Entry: 2:40
